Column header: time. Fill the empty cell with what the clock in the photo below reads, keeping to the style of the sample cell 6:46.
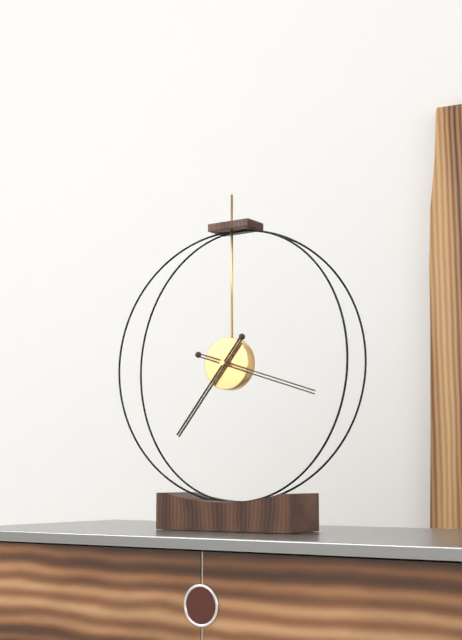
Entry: 7:18
